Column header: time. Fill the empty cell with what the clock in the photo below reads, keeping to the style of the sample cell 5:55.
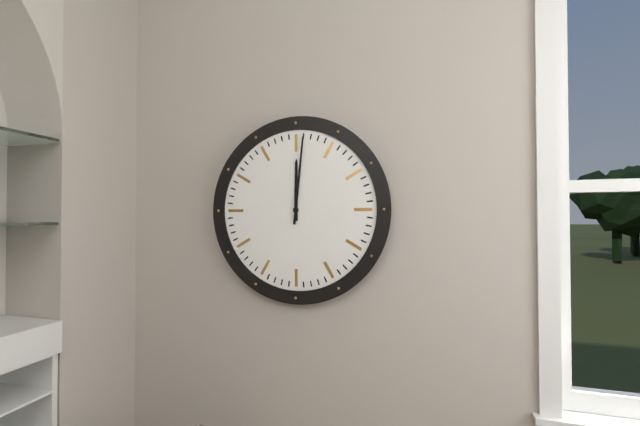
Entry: 12:01
